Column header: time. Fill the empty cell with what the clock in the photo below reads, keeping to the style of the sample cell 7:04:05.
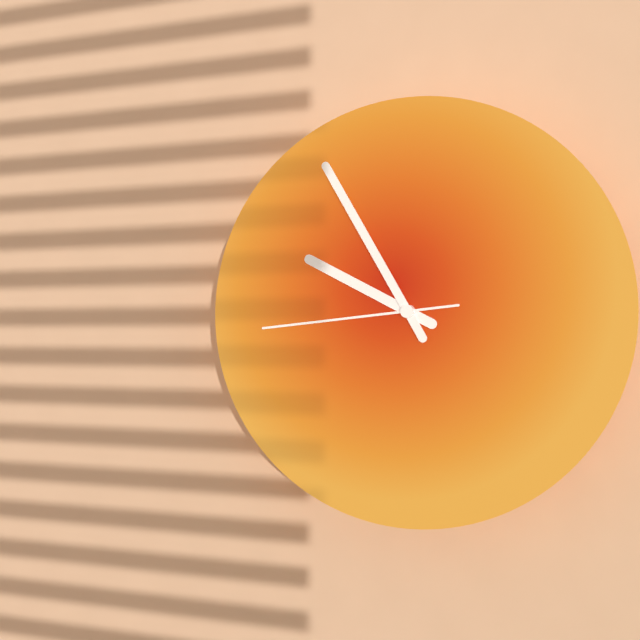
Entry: 9:55:44
